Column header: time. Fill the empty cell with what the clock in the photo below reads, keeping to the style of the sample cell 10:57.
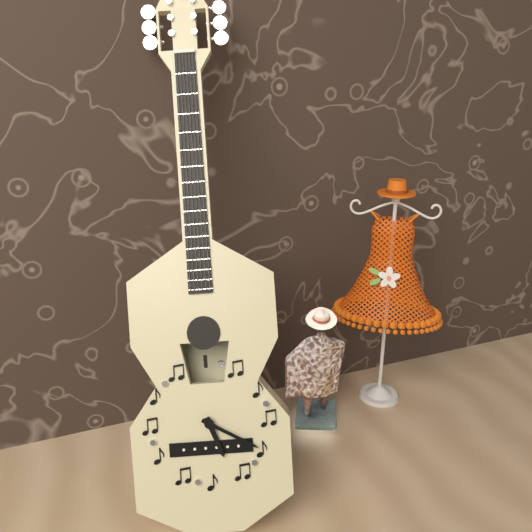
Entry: 5:20
